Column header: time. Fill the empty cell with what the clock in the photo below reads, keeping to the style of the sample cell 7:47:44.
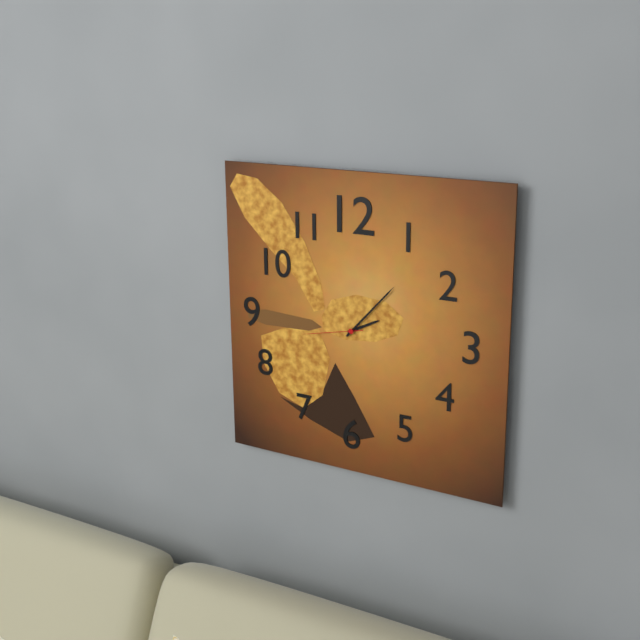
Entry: 2:07:43
